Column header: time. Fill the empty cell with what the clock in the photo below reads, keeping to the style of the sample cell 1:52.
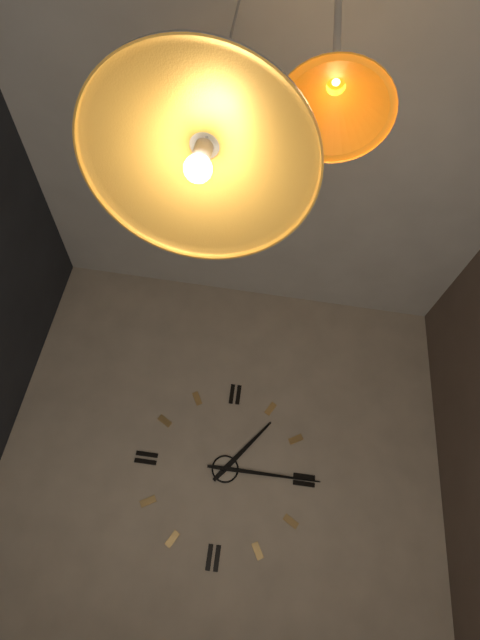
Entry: 1:15
